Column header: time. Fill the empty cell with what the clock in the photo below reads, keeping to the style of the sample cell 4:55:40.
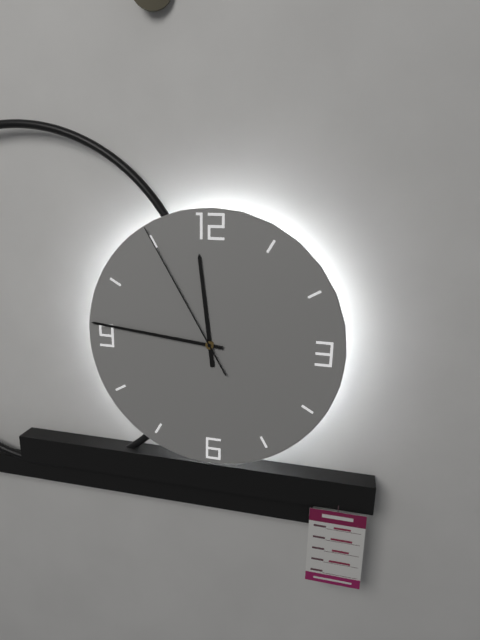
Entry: 11:46:55
